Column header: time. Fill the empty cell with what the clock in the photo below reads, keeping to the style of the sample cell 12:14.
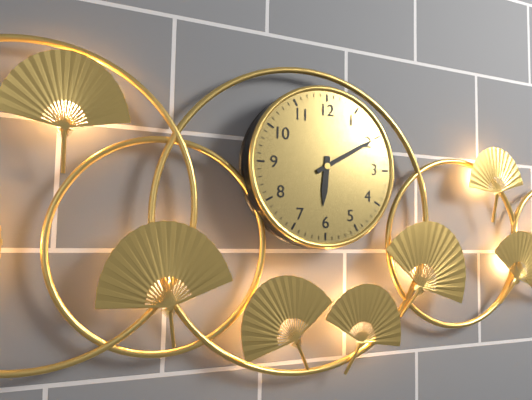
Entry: 6:10
